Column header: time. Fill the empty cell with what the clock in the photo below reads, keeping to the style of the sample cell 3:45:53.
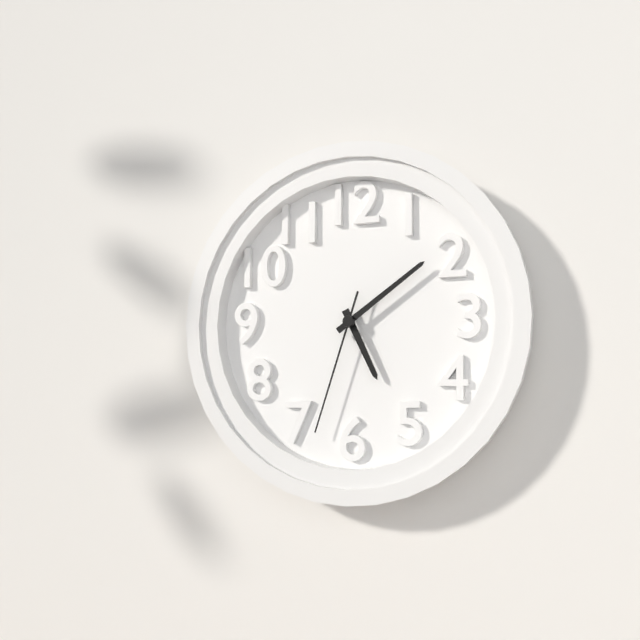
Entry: 5:09:33
